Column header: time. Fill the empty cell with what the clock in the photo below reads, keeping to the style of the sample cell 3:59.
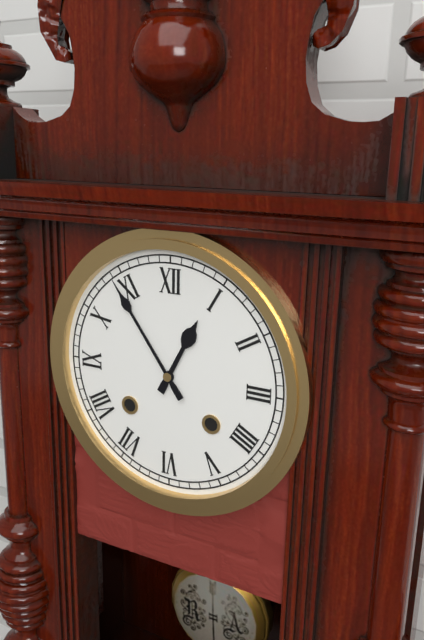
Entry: 12:54
